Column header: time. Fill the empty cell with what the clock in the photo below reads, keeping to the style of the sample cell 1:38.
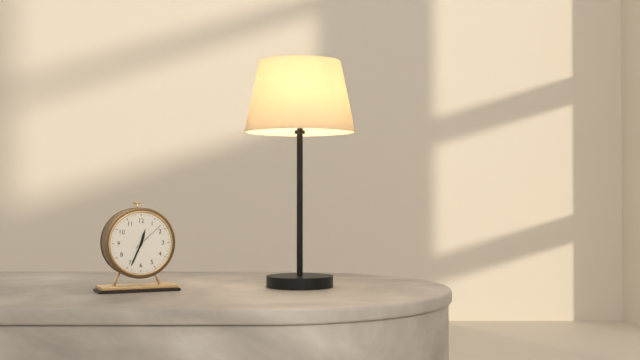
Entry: 12:34
